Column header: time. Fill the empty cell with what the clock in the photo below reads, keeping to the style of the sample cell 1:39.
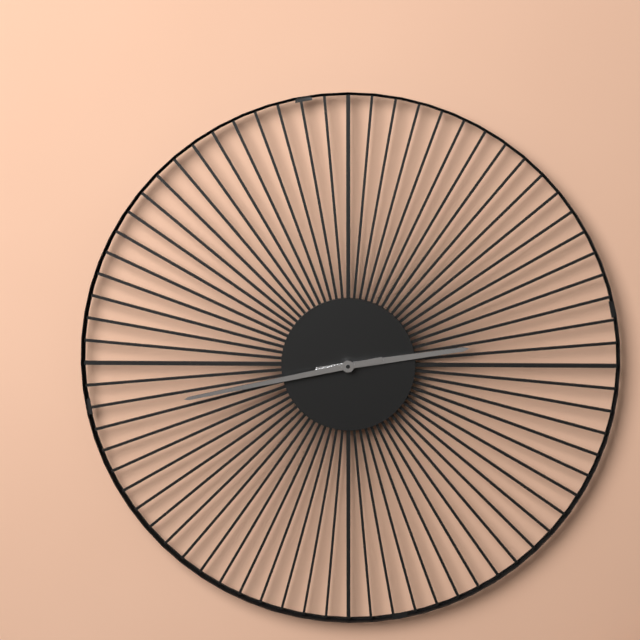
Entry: 2:43
